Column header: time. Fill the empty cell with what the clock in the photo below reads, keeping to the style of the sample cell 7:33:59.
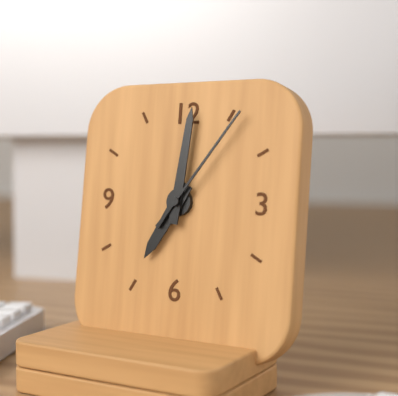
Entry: 7:01:06
